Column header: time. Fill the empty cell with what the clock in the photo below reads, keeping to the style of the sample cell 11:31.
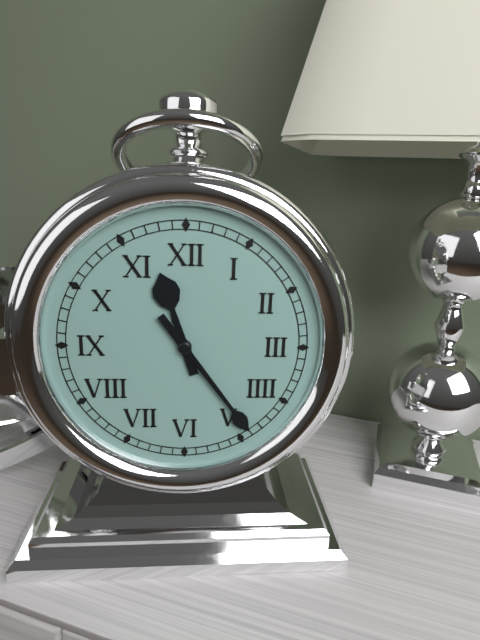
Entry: 11:24
